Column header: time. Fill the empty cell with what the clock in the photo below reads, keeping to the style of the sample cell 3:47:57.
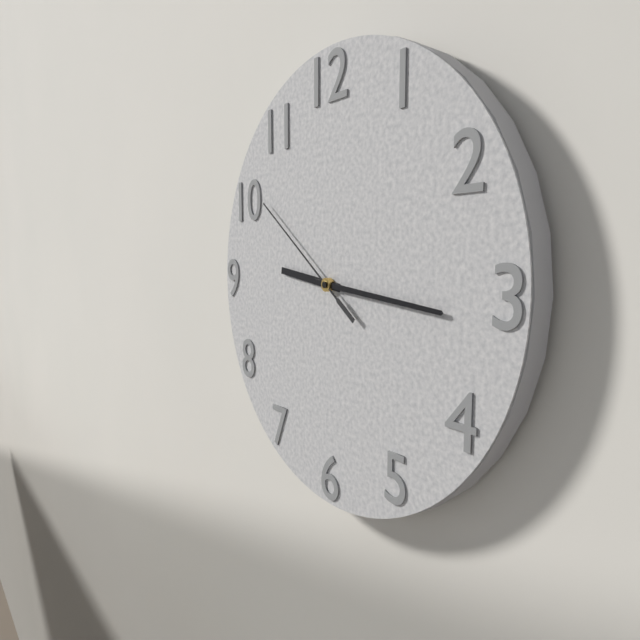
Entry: 9:16:51
